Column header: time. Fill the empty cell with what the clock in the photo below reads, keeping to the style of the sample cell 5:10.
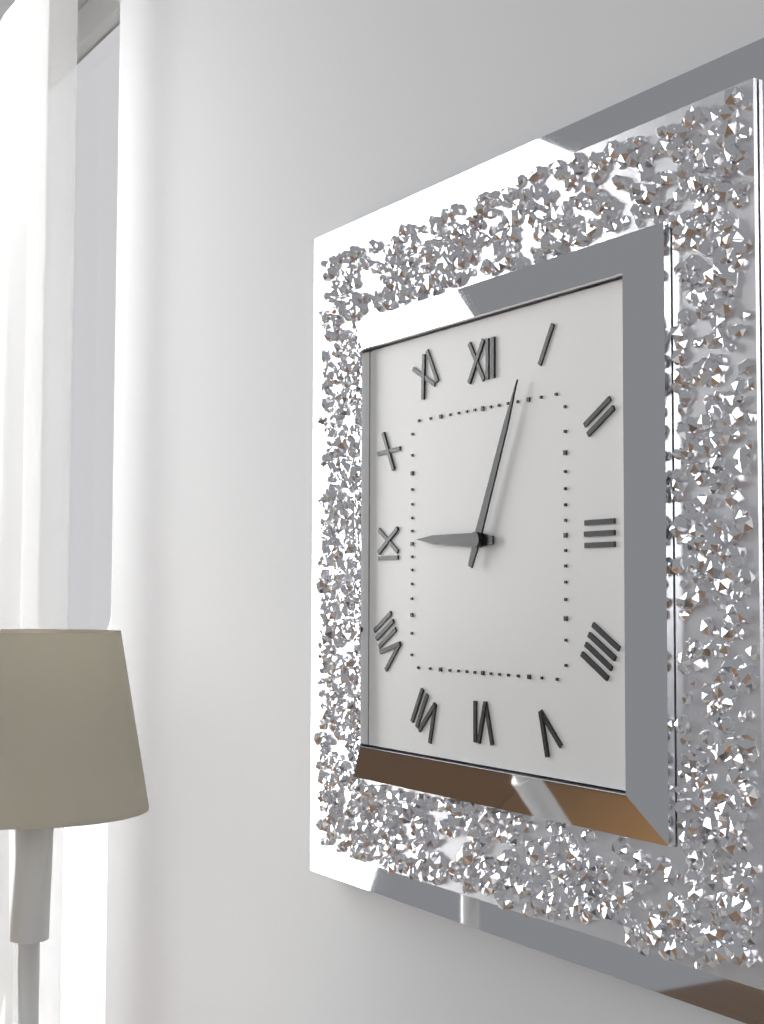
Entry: 9:04
